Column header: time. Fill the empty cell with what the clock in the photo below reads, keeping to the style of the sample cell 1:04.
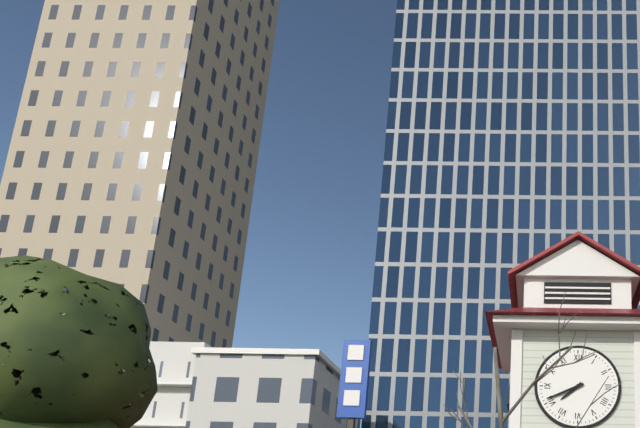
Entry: 7:41
